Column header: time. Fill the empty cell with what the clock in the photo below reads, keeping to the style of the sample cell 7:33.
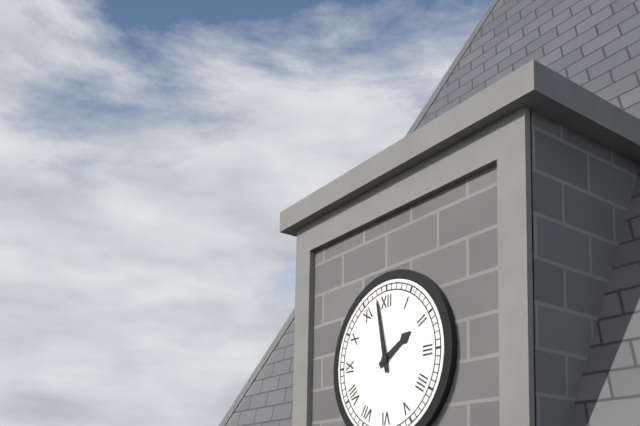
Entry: 1:58
